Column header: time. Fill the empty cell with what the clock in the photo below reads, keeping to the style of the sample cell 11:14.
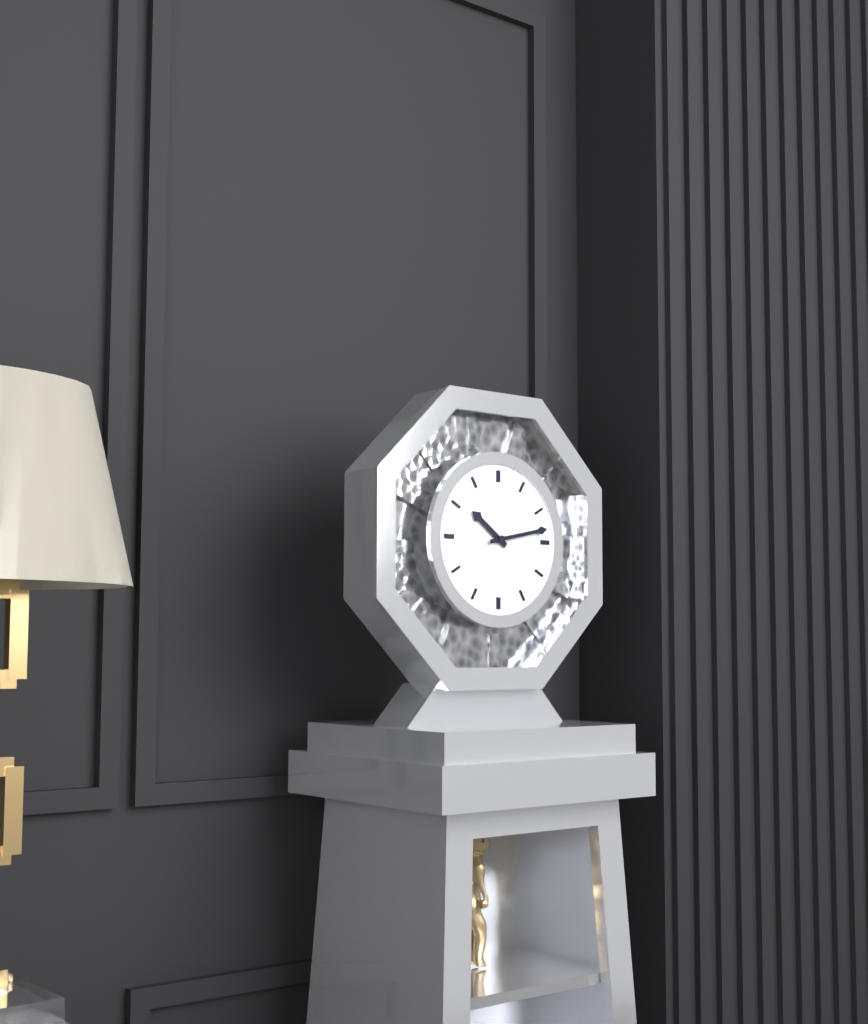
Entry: 10:13
